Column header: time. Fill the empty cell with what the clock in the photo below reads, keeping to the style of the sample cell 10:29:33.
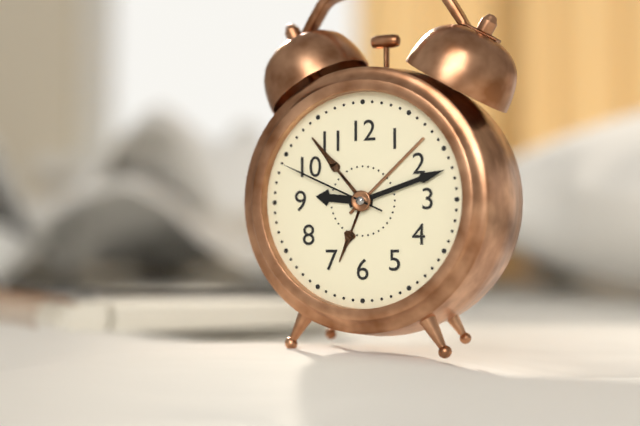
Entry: 9:12:49
